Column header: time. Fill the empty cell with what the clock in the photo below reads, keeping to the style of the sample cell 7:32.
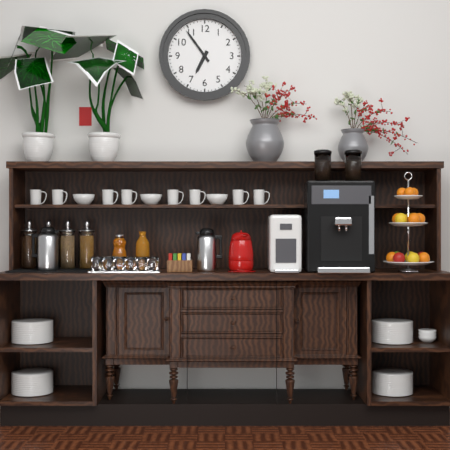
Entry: 6:54
